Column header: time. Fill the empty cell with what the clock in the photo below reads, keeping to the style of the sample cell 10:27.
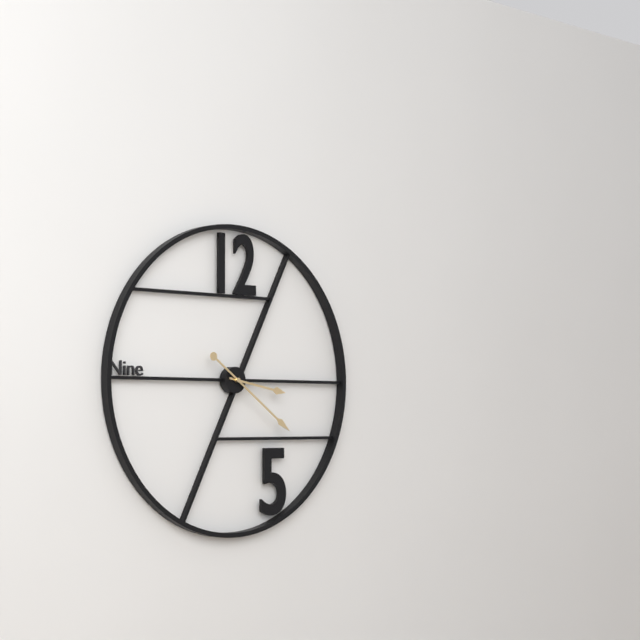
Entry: 3:21
